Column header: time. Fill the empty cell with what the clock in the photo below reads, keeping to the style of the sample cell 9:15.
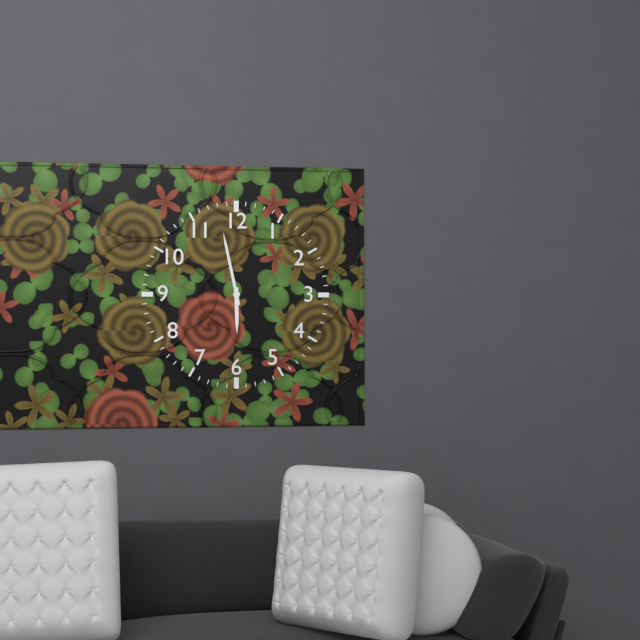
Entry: 5:58
